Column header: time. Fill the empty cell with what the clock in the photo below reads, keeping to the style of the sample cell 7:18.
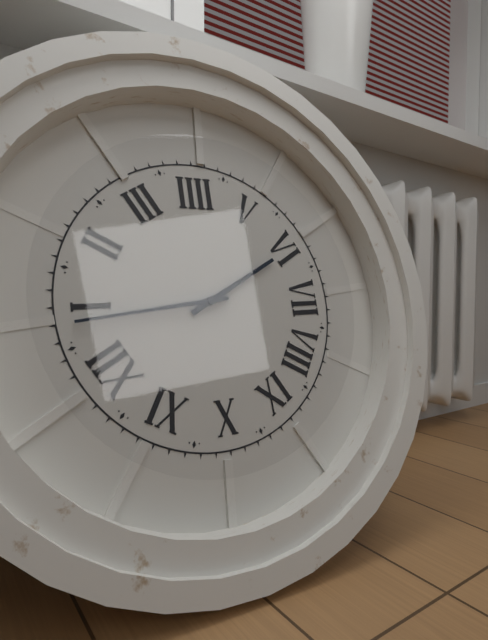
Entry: 6:04
